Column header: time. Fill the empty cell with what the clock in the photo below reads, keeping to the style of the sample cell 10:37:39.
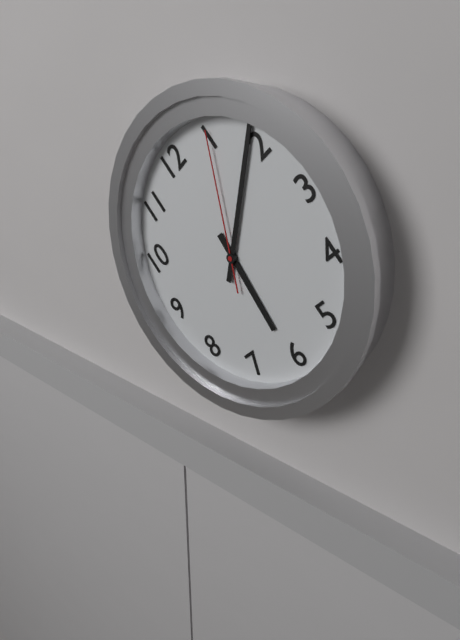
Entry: 6:09:05
